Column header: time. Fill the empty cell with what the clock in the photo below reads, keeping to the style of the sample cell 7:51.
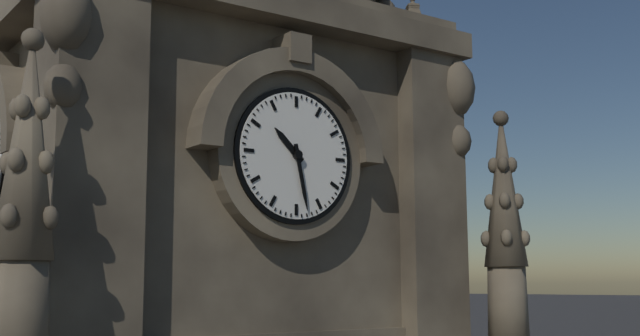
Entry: 10:28
